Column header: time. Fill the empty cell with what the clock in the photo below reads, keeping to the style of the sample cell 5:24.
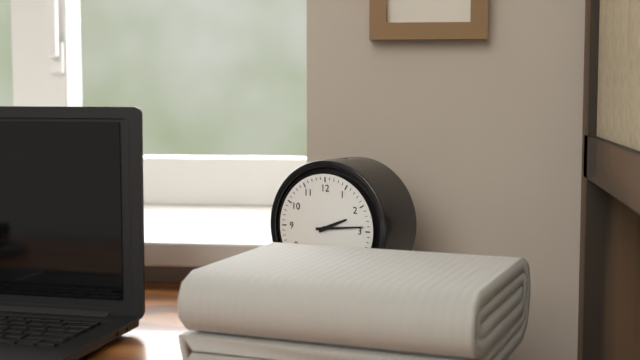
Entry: 2:14
